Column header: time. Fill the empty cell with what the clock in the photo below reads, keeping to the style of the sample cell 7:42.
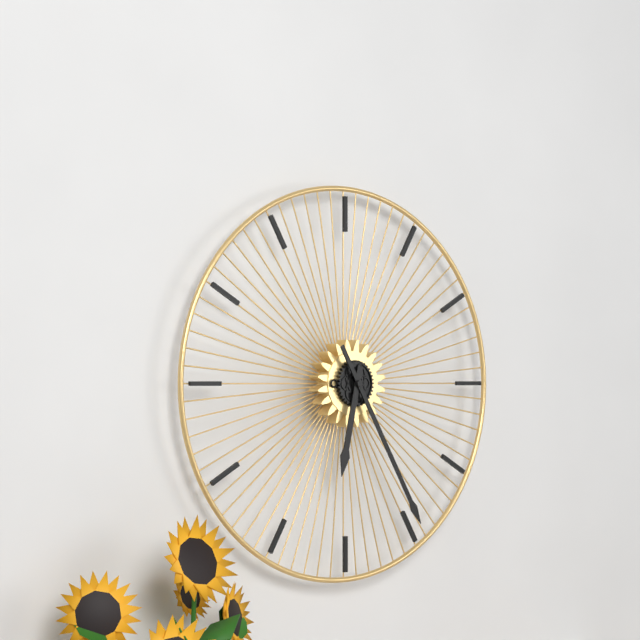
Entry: 6:25
